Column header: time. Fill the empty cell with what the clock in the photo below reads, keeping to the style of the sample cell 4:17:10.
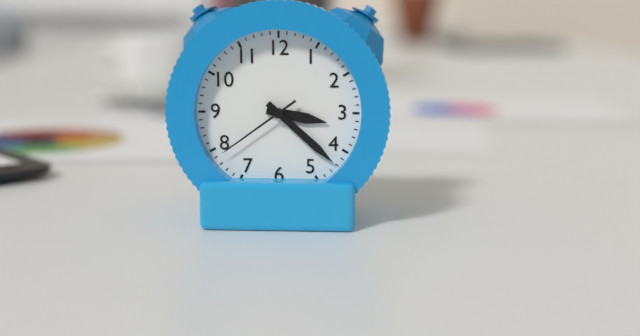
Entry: 3:22:39
